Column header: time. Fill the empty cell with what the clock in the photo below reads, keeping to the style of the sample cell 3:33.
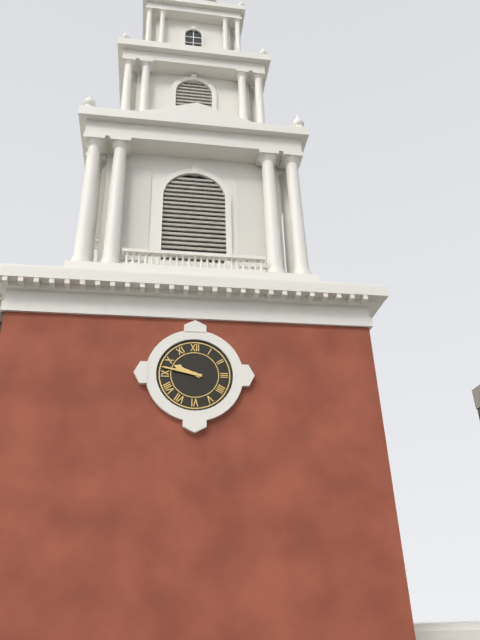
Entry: 9:47
